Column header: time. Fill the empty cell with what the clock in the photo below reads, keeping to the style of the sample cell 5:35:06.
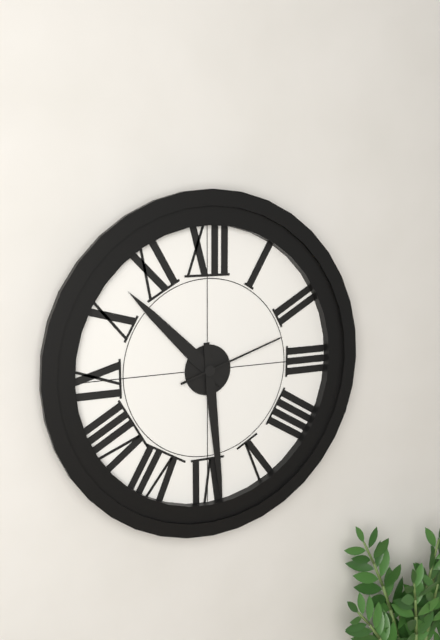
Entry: 10:29:12
